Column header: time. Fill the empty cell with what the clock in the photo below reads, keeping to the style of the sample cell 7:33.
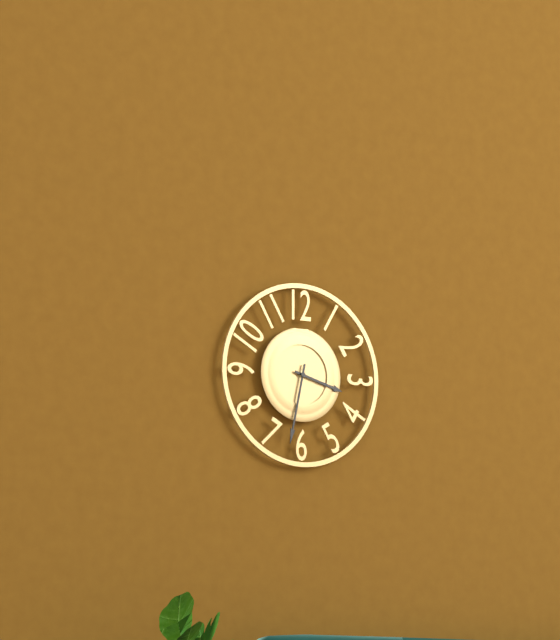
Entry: 3:32
